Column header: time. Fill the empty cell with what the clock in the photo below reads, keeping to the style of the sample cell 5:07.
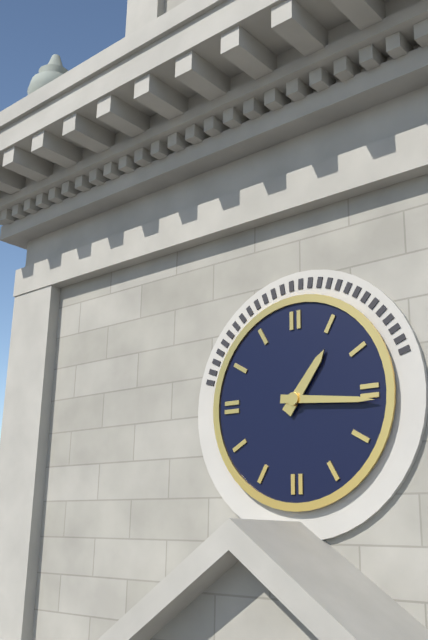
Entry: 1:16
